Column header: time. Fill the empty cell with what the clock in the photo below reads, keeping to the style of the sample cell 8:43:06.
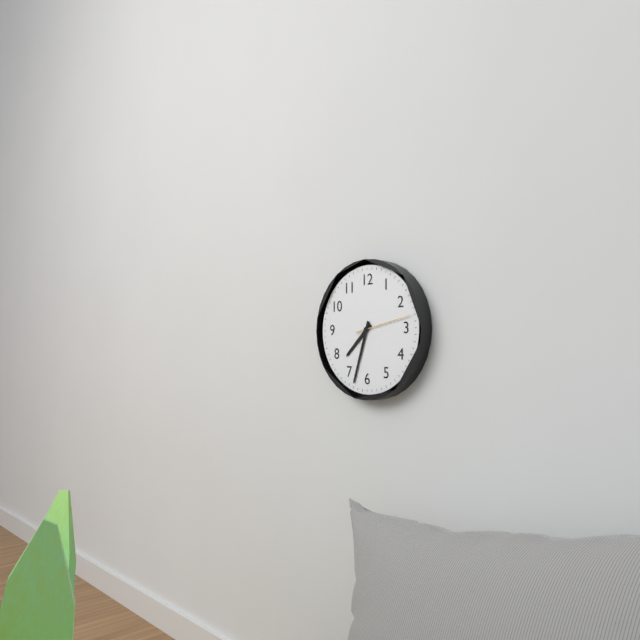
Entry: 7:33:13
